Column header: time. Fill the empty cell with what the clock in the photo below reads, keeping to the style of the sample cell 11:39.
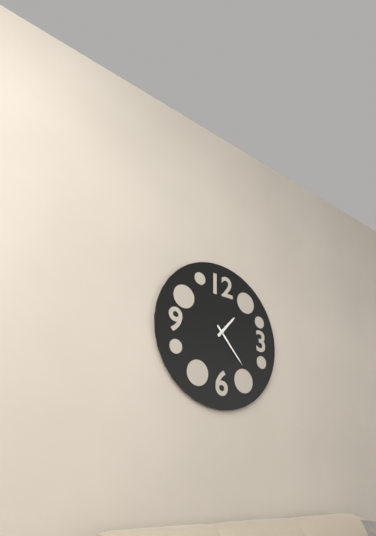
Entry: 1:23
